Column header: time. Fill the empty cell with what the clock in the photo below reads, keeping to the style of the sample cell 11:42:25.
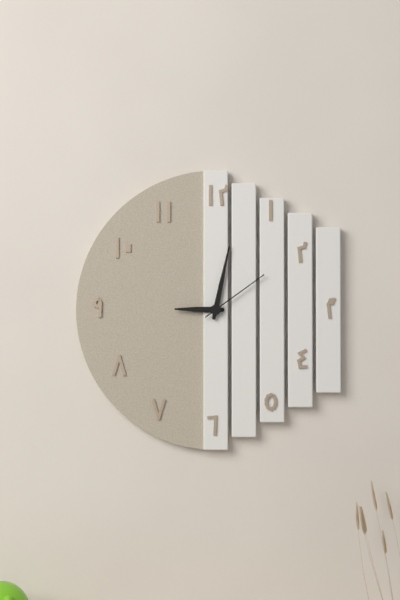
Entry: 9:02:09
